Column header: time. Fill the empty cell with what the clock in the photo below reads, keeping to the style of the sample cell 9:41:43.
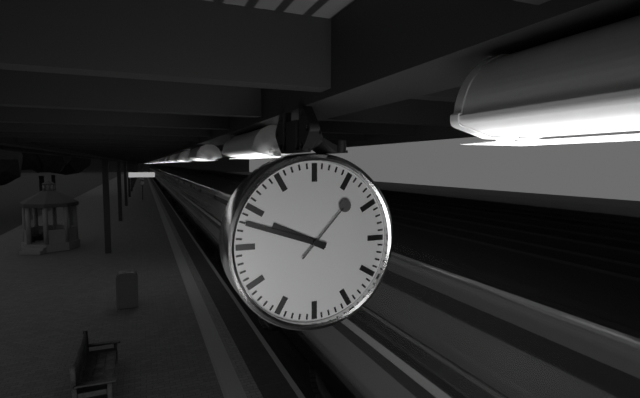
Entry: 9:48:07
